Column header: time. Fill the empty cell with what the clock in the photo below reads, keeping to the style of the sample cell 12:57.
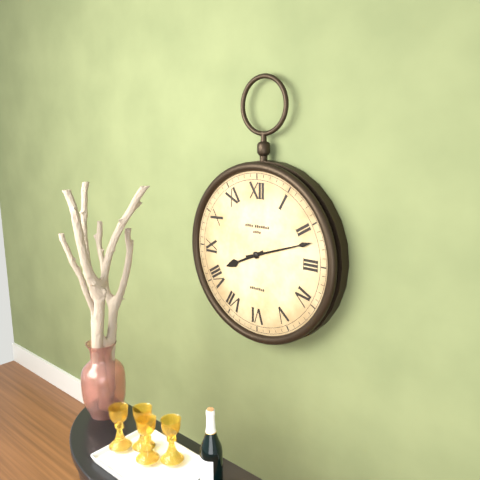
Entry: 8:12
